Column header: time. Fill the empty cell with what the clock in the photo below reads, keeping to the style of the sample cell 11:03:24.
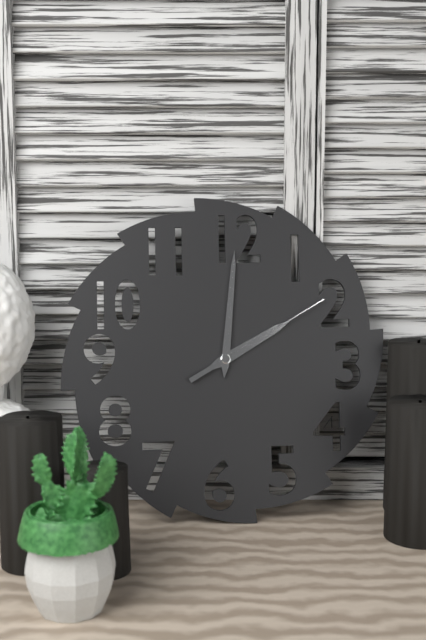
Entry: 2:01:10
